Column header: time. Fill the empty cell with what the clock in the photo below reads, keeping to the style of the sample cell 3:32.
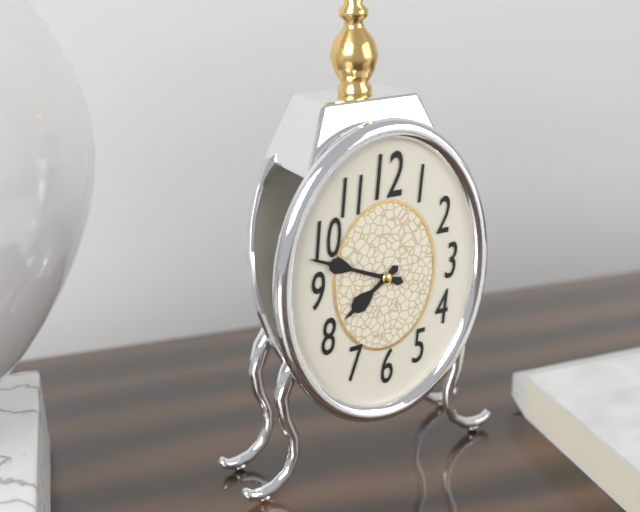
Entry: 7:49
